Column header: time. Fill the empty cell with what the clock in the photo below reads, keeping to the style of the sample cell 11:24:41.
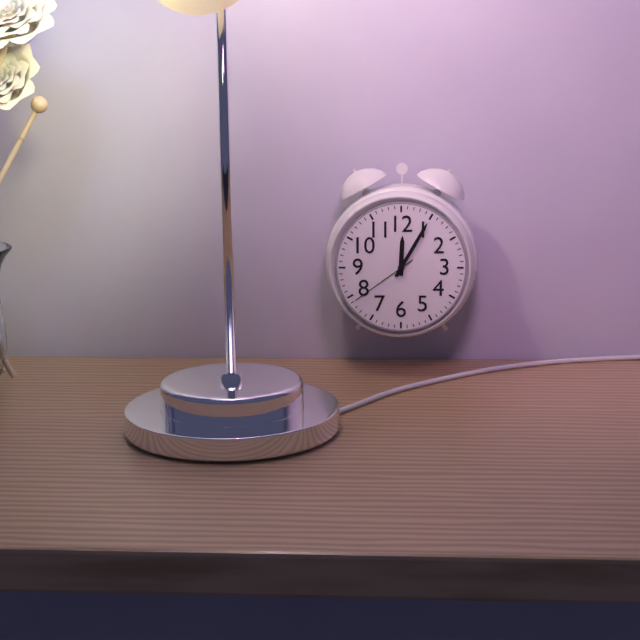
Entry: 12:05:39
